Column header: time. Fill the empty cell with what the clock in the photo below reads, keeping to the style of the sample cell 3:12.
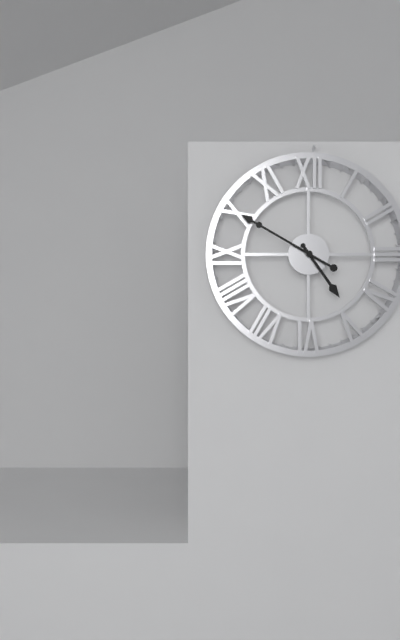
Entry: 4:50
